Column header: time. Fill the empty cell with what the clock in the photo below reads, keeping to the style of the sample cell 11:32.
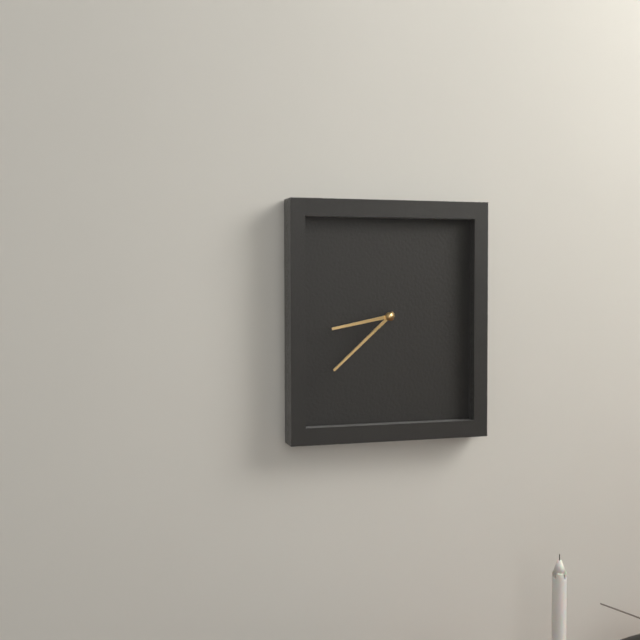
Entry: 8:38
